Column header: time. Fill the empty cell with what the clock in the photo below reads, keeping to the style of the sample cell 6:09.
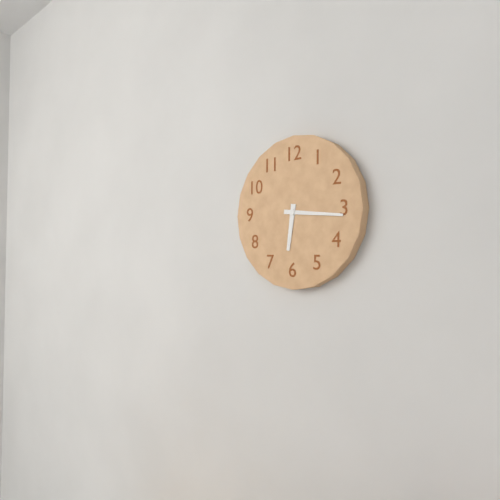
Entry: 6:16
